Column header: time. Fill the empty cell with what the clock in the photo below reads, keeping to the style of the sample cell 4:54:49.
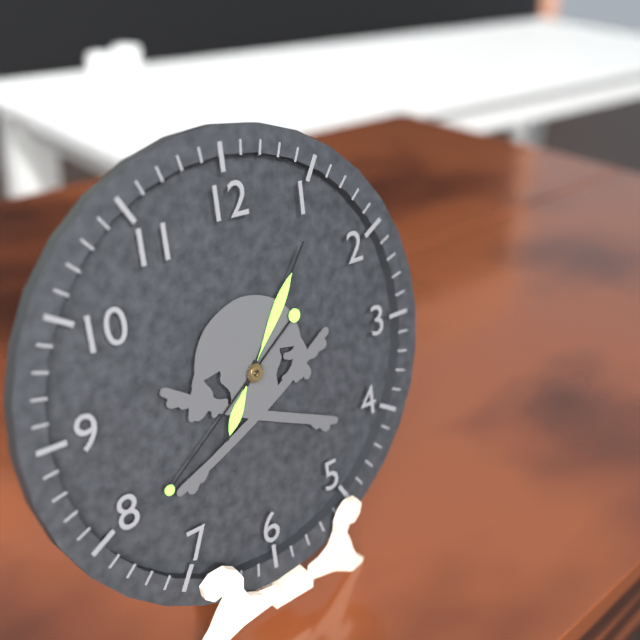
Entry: 7:06:39
